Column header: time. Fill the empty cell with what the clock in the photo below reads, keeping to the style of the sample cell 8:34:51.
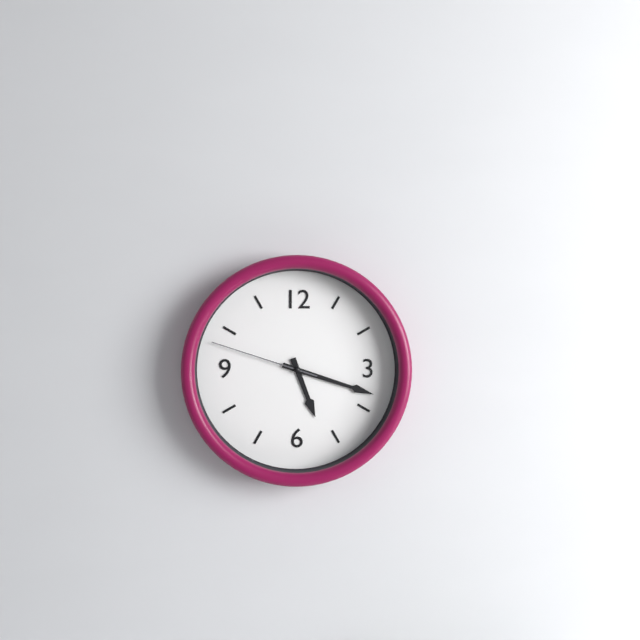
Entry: 5:18:48
